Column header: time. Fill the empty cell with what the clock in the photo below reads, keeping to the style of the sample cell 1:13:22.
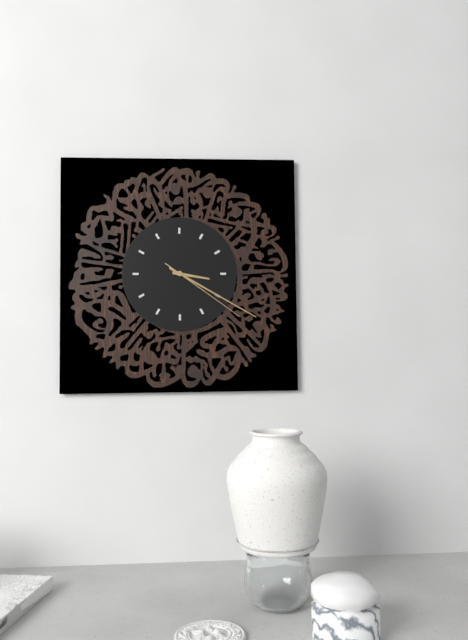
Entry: 3:20:21
